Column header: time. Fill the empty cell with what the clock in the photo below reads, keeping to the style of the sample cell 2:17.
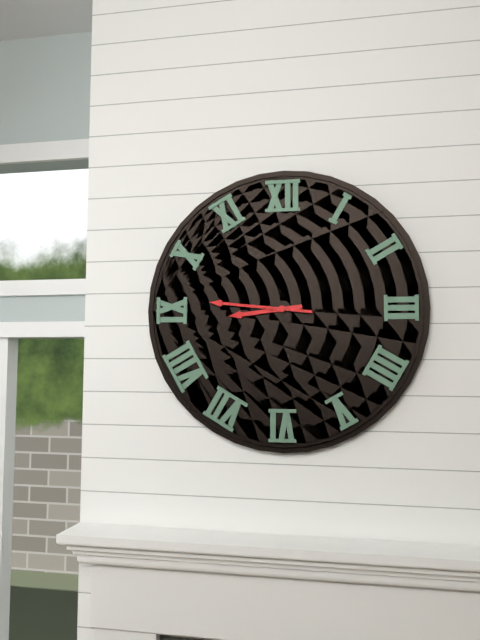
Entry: 8:46
